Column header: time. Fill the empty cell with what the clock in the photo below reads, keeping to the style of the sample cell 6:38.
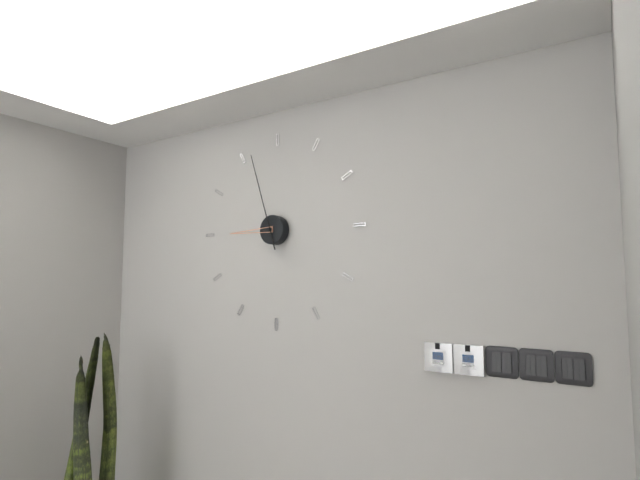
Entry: 8:57
